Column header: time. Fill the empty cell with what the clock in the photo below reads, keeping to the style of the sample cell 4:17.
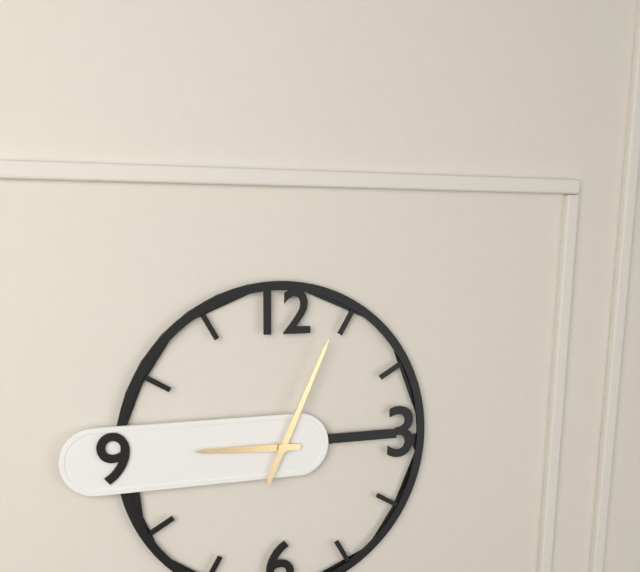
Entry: 9:04
